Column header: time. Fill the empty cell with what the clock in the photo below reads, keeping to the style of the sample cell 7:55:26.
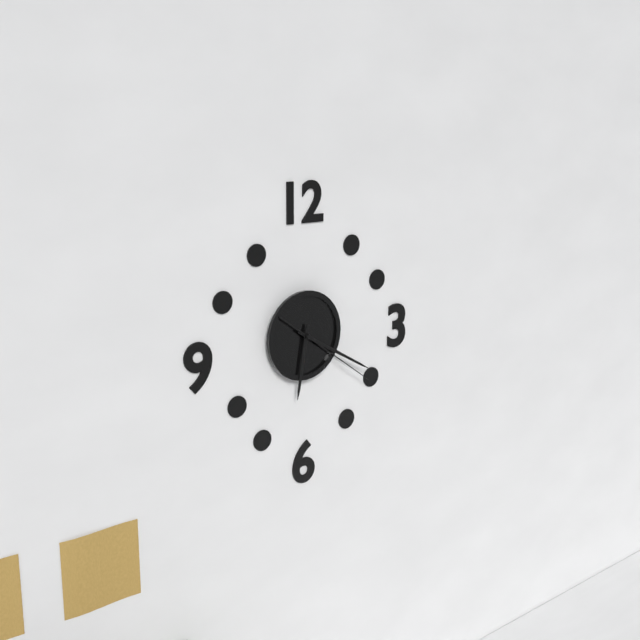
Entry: 6:20:21
